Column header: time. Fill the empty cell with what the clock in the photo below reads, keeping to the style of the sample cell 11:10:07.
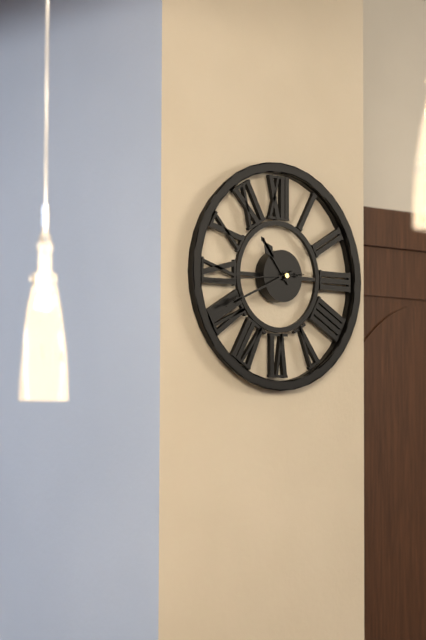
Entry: 10:41:44
